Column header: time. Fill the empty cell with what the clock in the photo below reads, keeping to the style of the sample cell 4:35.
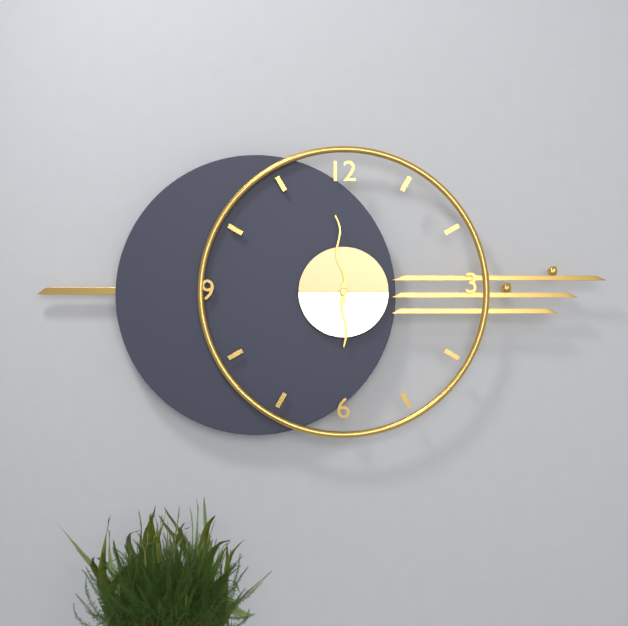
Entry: 5:59
